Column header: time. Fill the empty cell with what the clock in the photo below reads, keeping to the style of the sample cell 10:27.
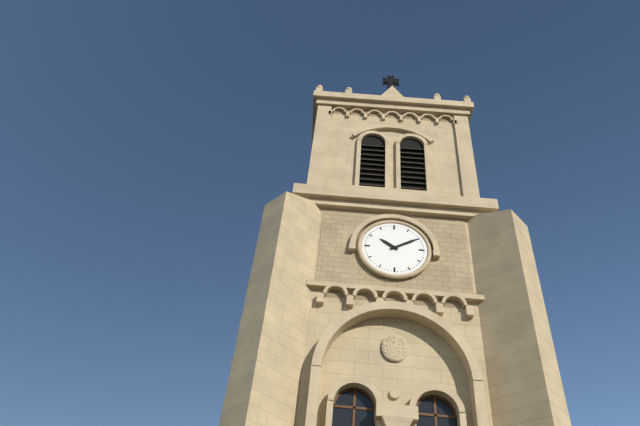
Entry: 10:10
